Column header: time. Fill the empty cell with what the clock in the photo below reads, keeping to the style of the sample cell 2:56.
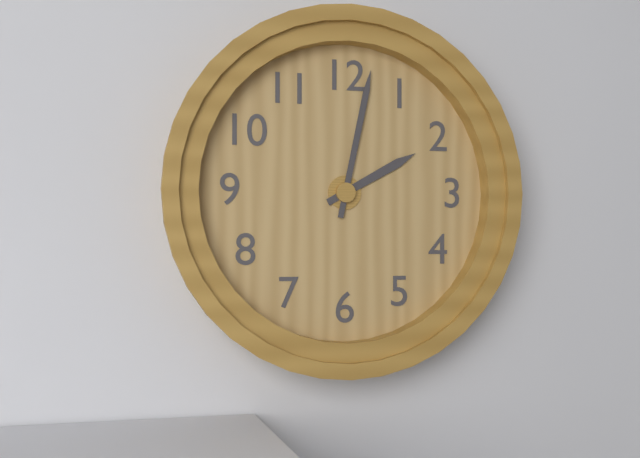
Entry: 2:02
